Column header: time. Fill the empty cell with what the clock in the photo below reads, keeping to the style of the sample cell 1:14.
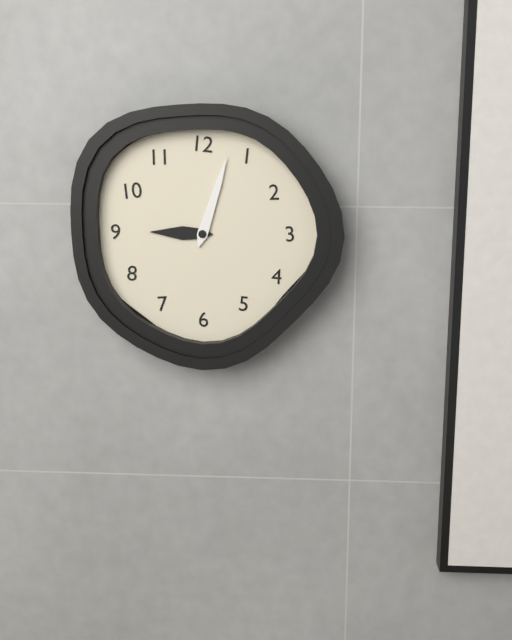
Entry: 9:03
